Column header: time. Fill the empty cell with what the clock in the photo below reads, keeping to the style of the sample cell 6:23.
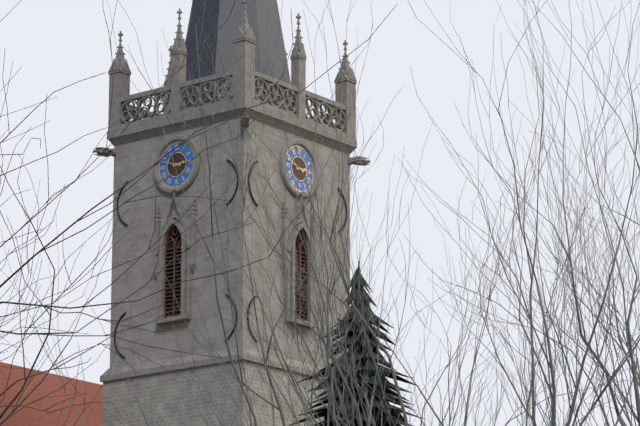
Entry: 2:48
